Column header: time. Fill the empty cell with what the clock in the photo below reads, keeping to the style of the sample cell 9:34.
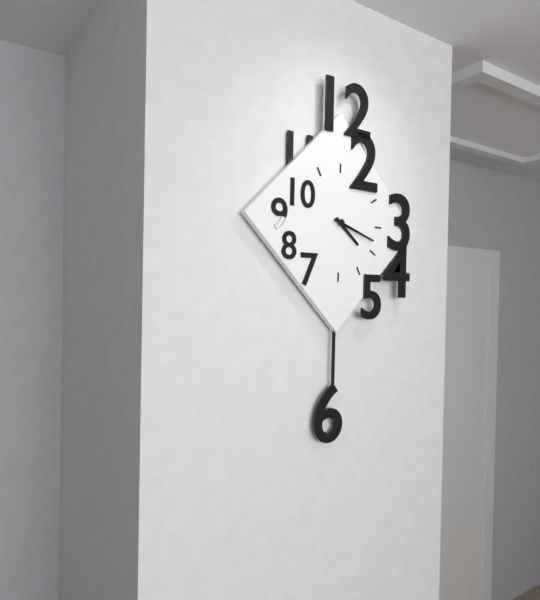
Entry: 4:18
